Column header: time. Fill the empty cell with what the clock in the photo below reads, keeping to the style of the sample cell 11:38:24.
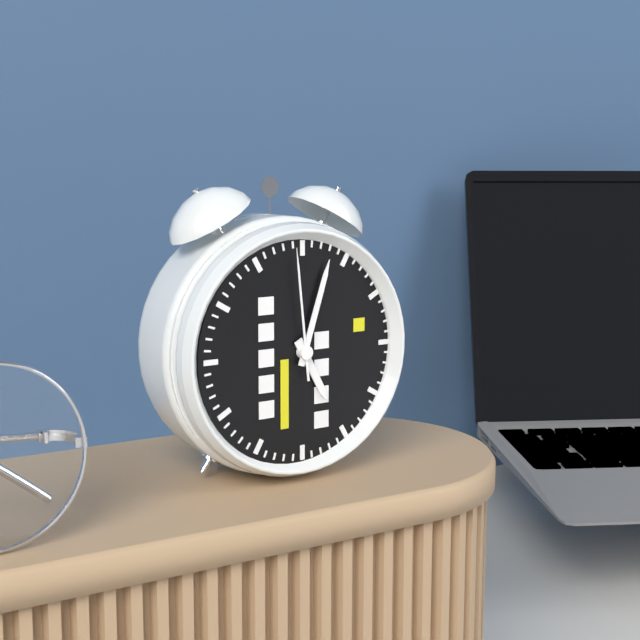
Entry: 5:03:59
